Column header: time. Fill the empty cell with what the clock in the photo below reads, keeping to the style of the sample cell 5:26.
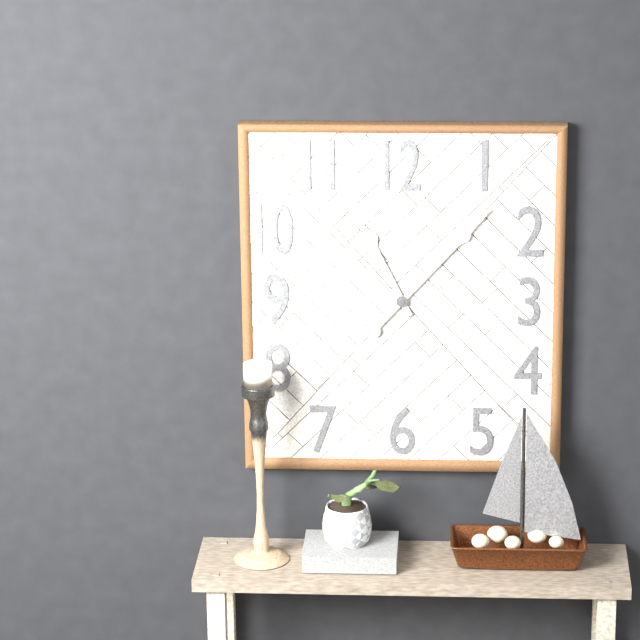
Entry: 11:07
